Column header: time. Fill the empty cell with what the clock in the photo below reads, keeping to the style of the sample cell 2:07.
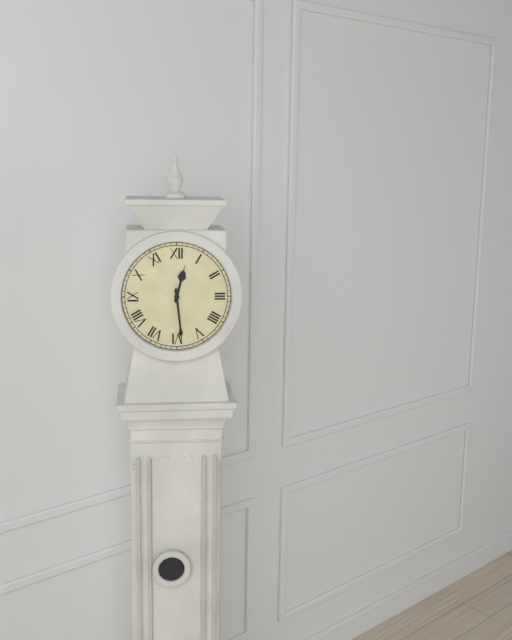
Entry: 12:29
